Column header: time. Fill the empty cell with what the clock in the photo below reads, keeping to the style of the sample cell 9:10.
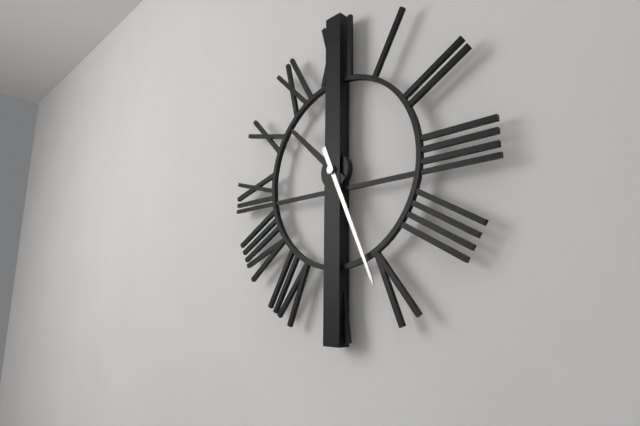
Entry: 10:26
